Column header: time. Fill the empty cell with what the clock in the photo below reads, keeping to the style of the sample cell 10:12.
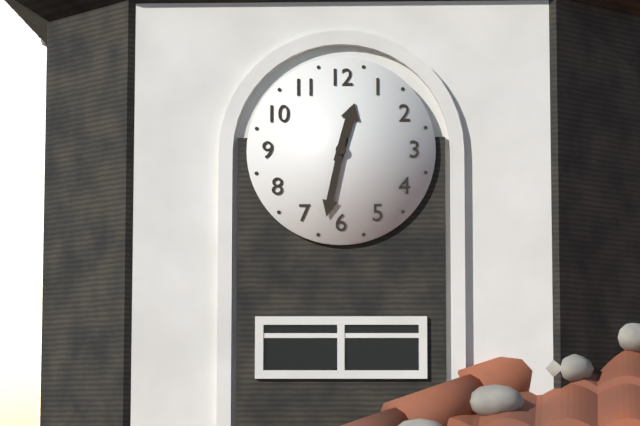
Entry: 12:32
